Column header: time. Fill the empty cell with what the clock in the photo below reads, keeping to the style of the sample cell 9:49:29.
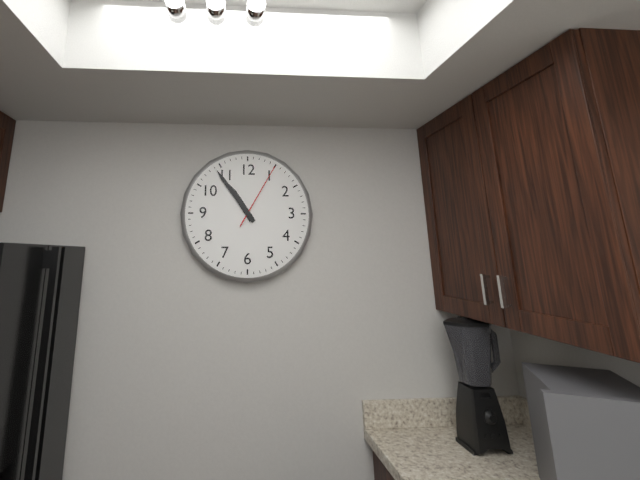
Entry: 10:54:05
